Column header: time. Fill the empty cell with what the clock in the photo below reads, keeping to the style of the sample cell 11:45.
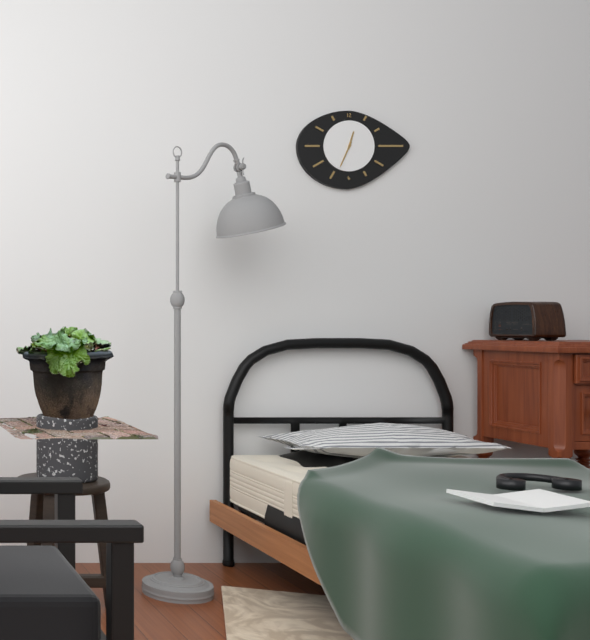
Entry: 12:34
